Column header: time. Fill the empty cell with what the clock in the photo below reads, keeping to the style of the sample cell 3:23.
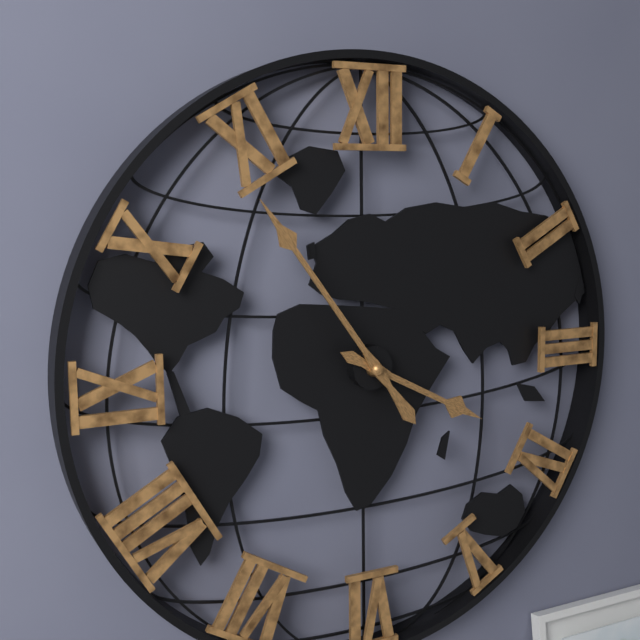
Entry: 3:54
